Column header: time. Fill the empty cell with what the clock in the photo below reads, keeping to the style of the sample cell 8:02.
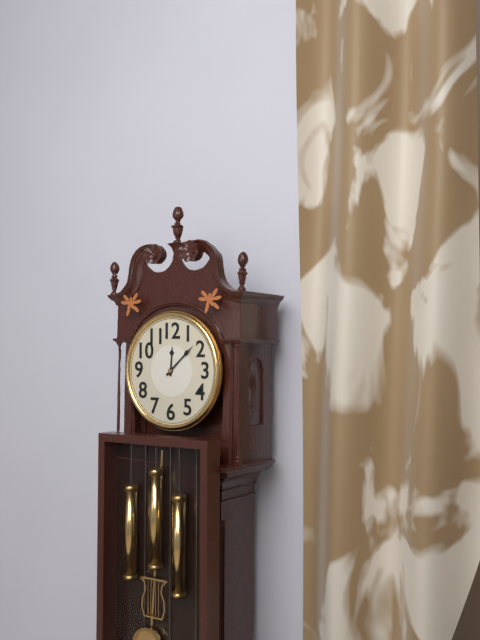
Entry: 12:08
